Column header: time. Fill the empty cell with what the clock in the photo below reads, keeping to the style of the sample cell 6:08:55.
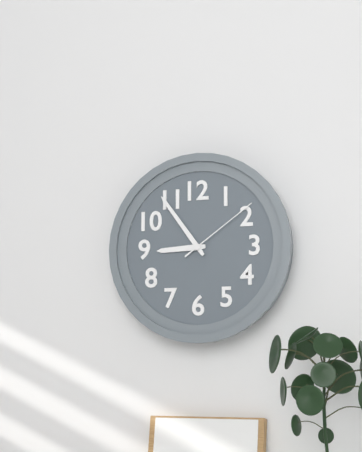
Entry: 8:54:09
